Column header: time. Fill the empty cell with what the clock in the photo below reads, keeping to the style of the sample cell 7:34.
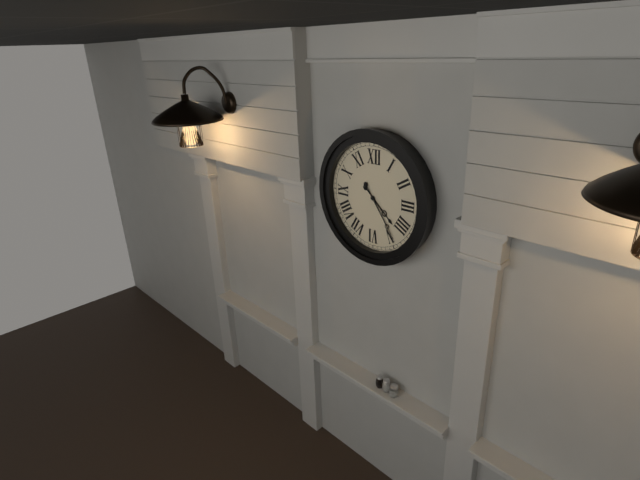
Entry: 4:24
